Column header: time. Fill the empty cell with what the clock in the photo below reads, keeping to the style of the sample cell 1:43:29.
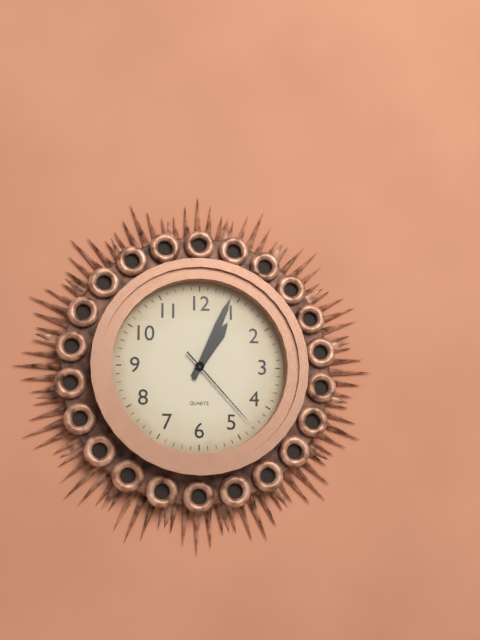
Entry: 1:04:23
